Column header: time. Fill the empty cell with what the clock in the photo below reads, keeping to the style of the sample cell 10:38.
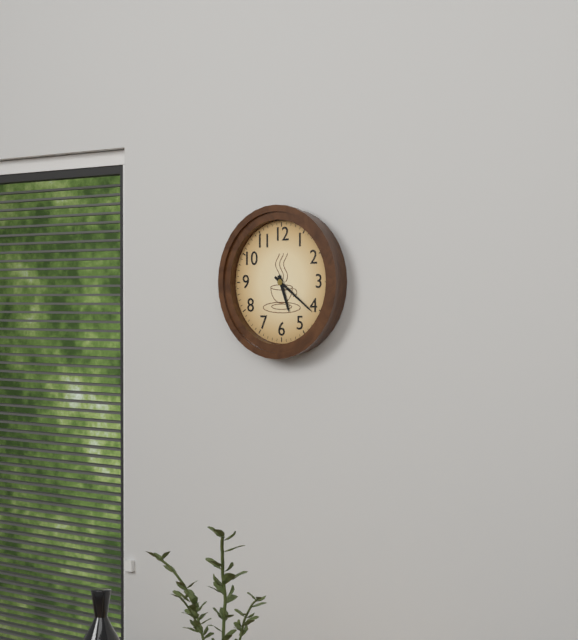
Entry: 5:21
